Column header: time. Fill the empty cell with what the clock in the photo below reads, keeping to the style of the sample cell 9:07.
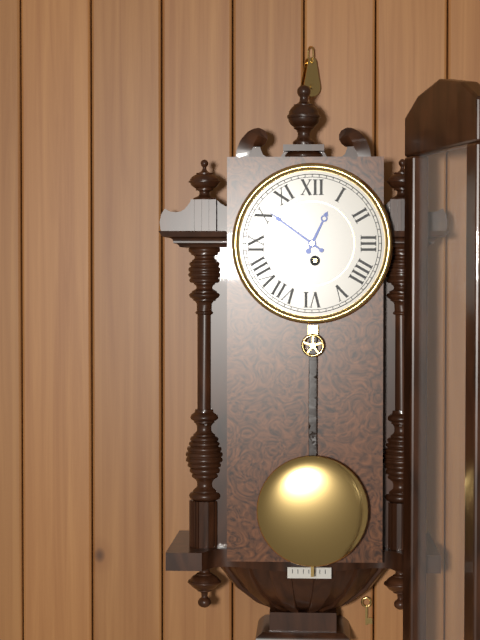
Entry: 12:51
